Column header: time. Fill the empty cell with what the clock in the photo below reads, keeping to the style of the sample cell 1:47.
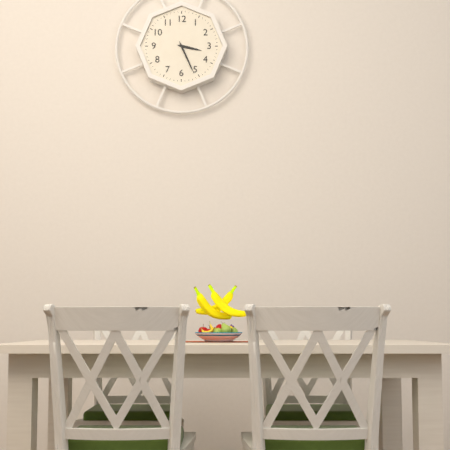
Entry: 3:26
